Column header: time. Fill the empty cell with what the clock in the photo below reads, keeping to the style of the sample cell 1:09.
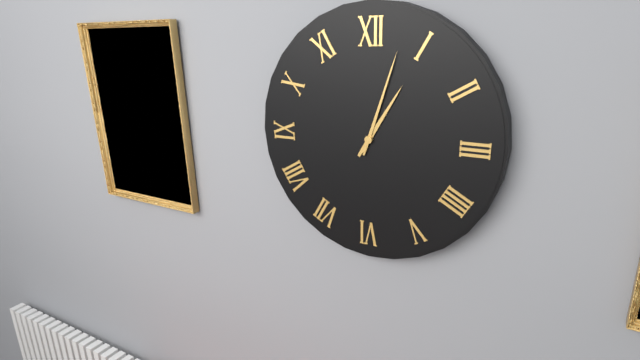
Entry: 1:03
